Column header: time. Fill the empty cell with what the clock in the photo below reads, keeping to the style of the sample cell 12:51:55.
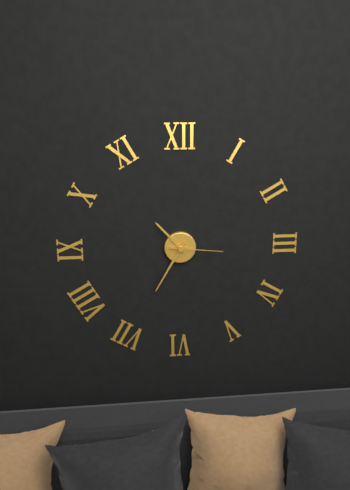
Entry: 10:35:16
